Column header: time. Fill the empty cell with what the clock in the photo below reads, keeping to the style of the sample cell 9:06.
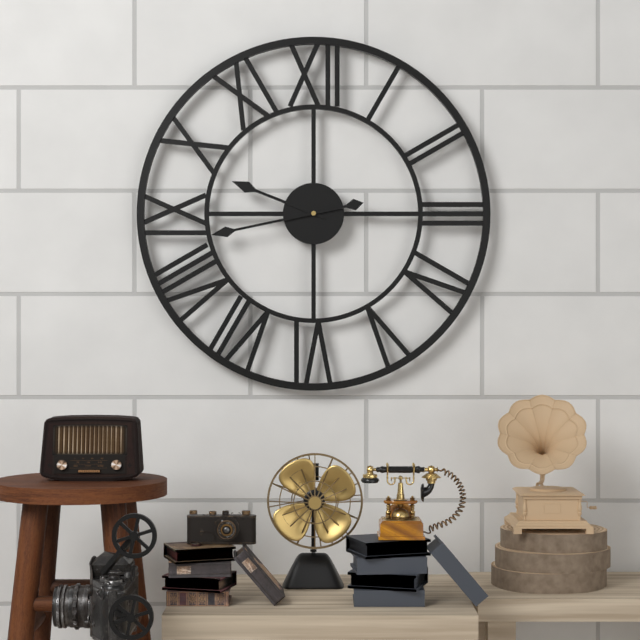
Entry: 9:43
